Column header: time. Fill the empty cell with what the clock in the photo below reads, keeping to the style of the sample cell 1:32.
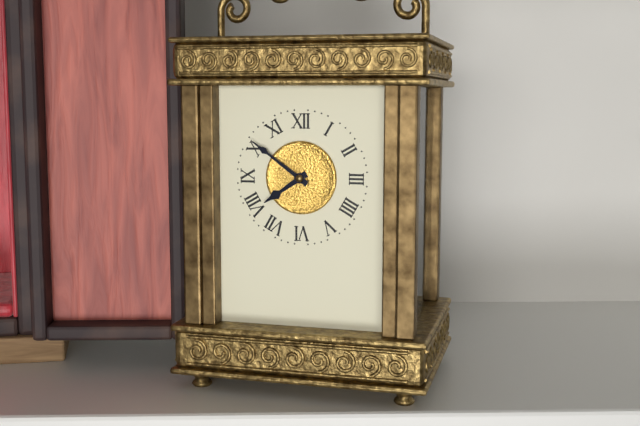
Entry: 7:51
